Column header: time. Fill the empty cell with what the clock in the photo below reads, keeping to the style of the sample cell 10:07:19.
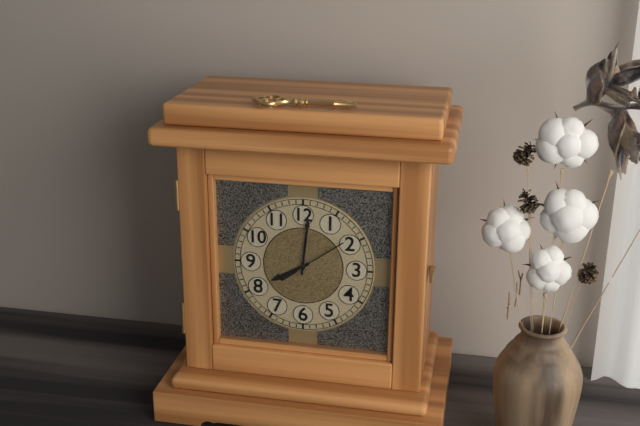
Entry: 8:01:09
